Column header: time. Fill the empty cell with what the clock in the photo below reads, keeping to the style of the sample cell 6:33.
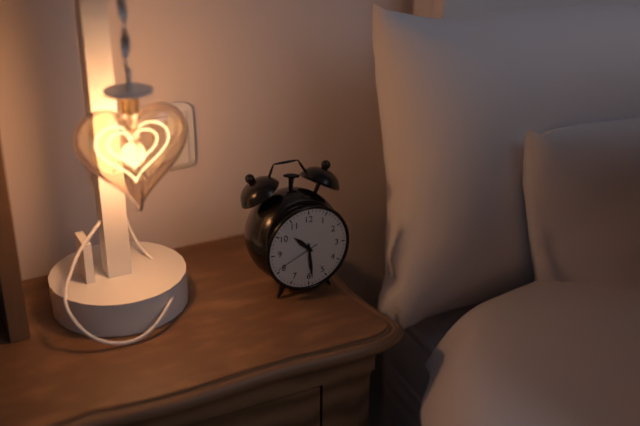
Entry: 10:29
